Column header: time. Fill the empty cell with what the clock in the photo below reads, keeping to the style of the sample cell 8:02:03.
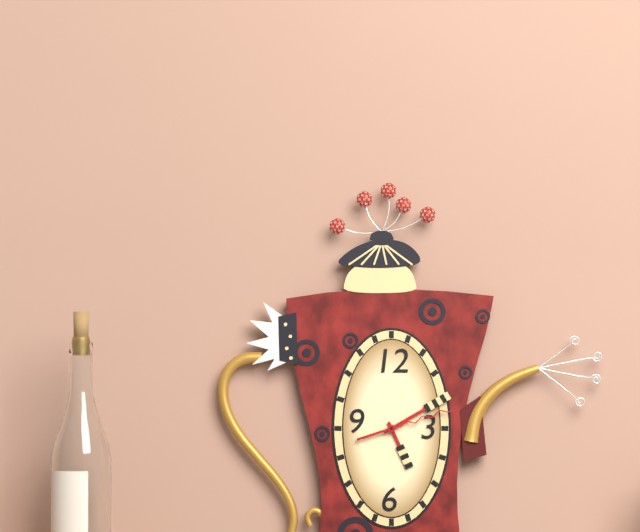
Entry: 5:10:12
